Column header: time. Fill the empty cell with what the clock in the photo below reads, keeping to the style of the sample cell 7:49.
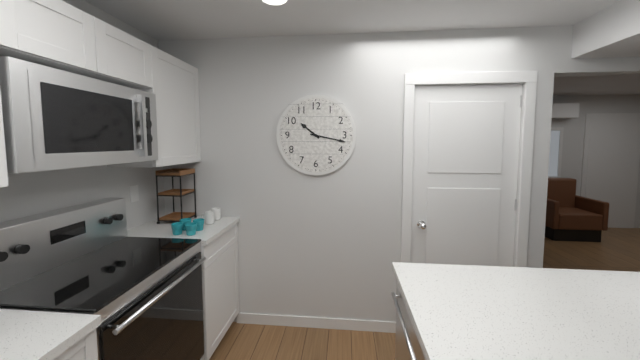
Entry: 10:17
